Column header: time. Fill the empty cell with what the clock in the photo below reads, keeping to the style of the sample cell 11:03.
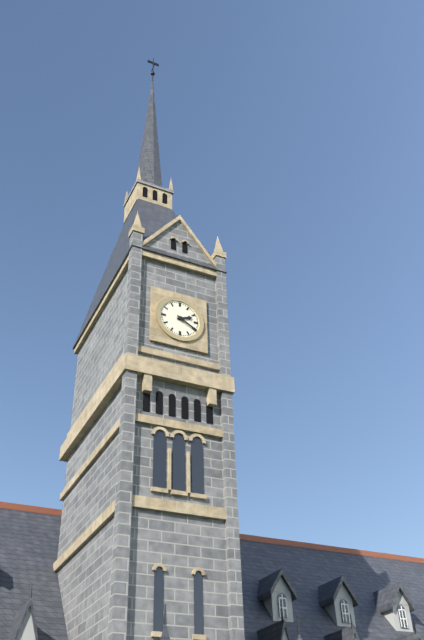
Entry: 2:20
